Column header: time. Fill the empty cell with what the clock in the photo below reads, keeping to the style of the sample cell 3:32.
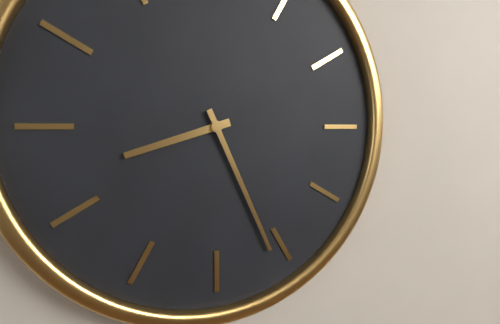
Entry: 8:26
